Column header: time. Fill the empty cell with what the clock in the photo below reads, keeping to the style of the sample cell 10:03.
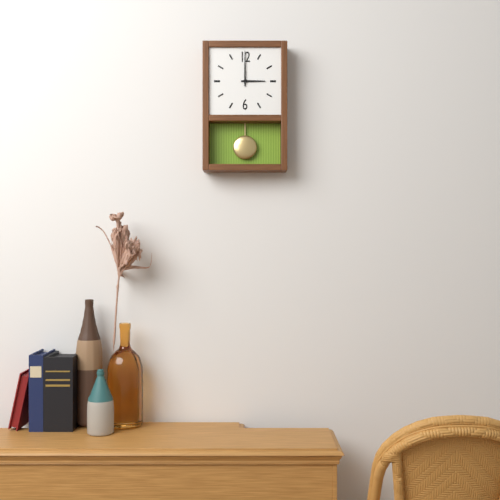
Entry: 3:00
